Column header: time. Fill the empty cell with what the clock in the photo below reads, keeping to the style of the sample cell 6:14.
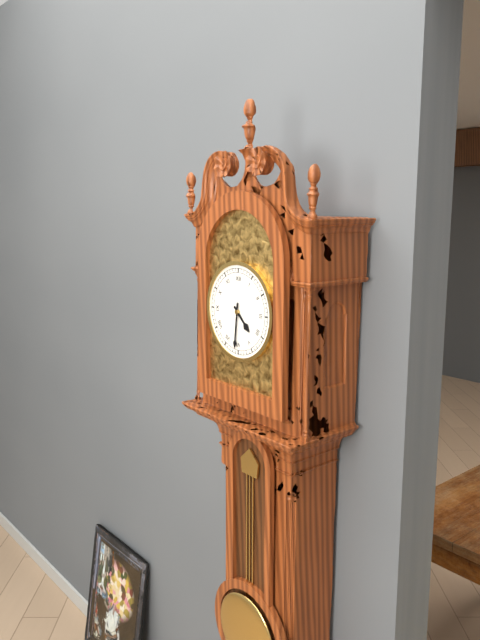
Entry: 4:31
